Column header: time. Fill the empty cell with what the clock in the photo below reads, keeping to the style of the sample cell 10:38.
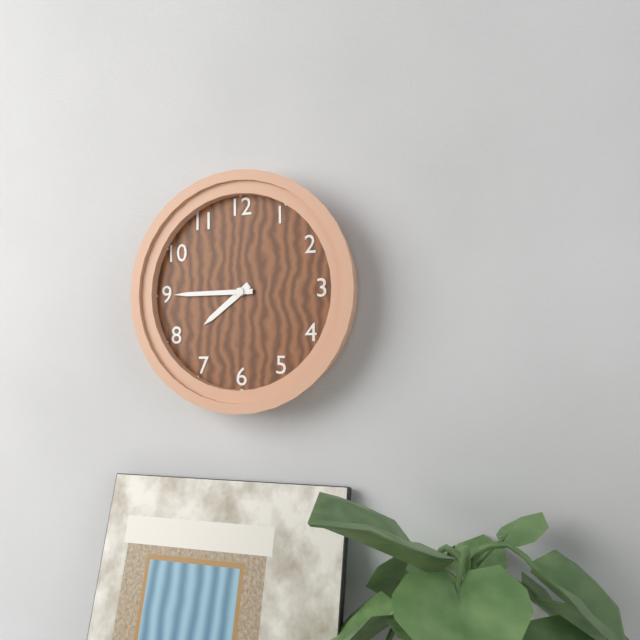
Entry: 7:45
